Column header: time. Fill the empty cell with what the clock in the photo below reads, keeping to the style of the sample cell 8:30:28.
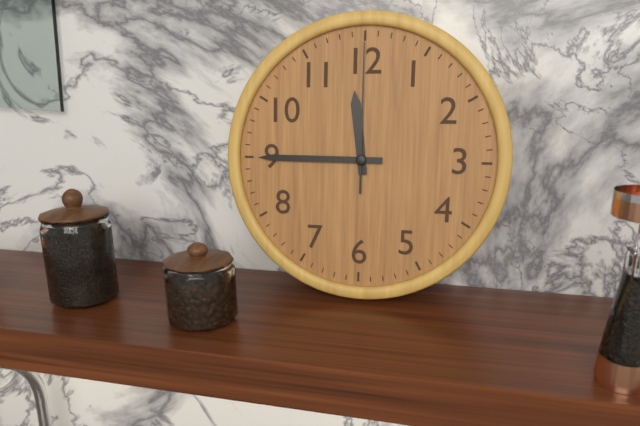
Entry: 11:45:00
